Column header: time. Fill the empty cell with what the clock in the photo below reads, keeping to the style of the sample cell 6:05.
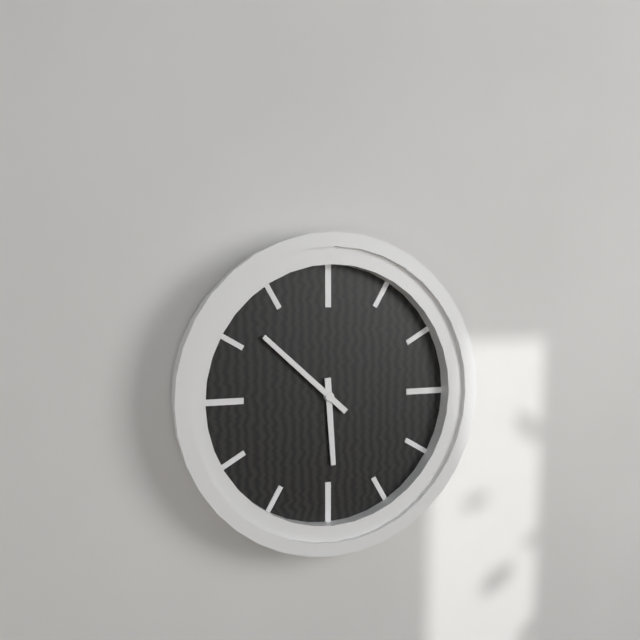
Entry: 5:52
